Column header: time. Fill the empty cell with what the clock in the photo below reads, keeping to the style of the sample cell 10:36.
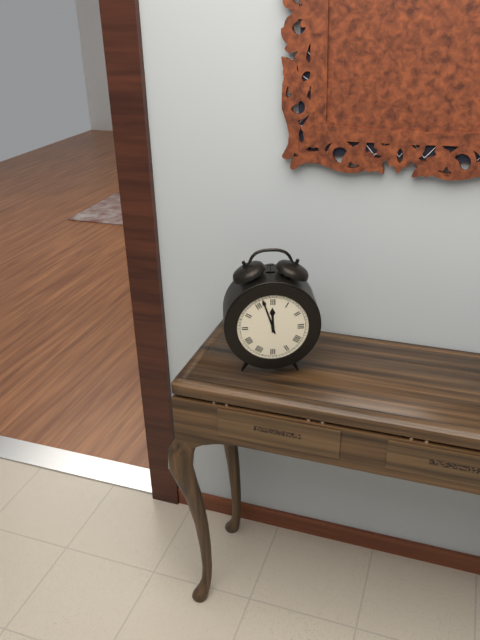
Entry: 11:57
